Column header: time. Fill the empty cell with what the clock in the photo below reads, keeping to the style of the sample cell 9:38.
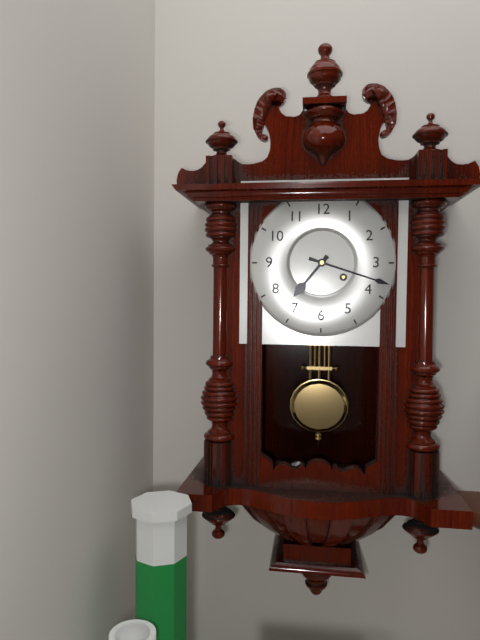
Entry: 7:18
